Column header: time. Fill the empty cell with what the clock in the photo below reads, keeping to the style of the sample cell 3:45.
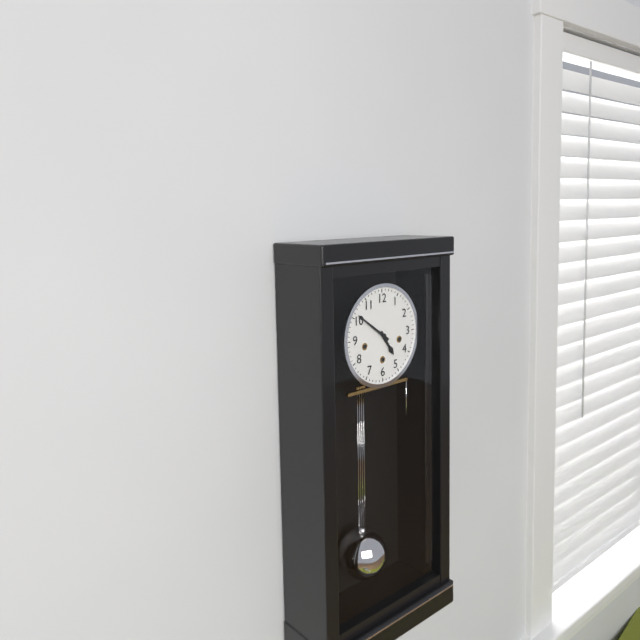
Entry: 4:51
